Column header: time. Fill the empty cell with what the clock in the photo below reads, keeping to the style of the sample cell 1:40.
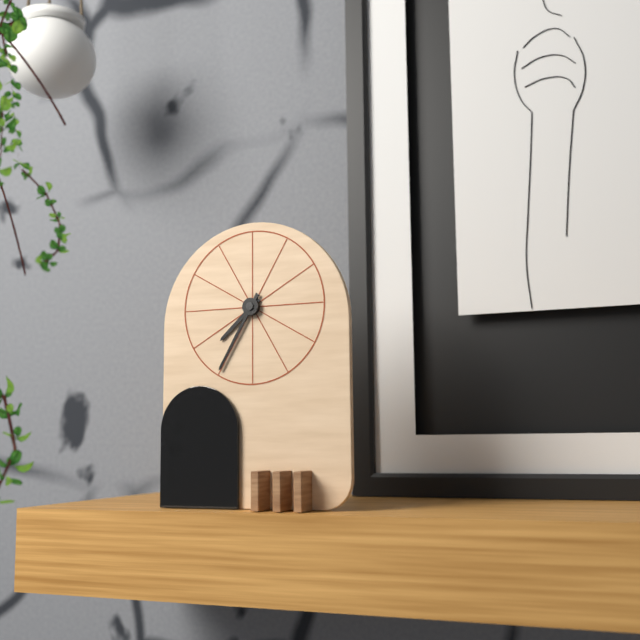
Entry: 7:35
